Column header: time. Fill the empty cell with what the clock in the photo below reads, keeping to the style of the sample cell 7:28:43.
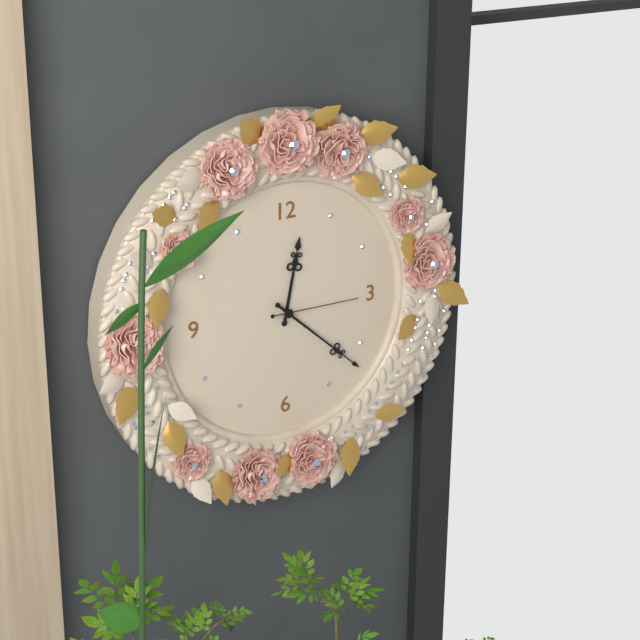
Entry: 12:22:15
